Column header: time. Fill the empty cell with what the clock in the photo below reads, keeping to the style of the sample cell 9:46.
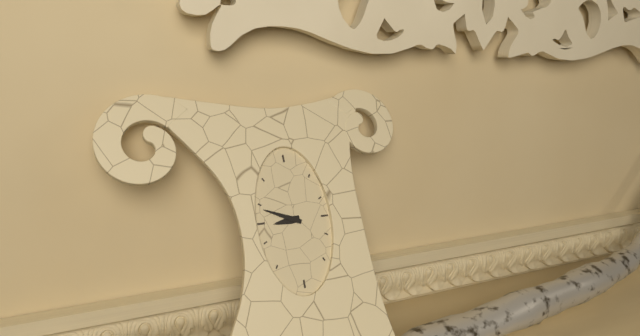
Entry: 8:49
